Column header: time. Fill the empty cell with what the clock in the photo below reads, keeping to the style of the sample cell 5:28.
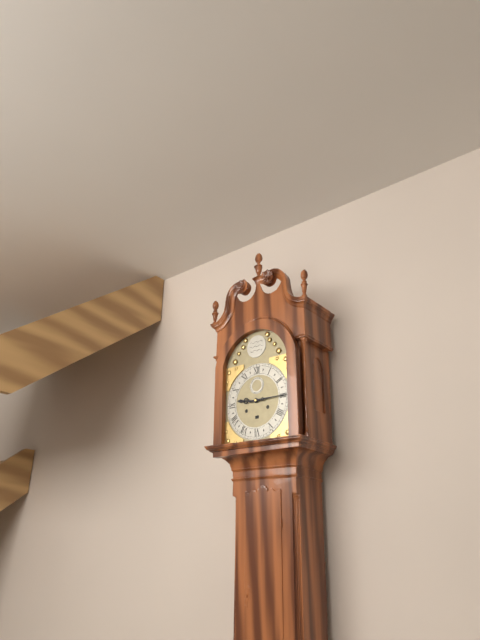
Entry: 9:15
